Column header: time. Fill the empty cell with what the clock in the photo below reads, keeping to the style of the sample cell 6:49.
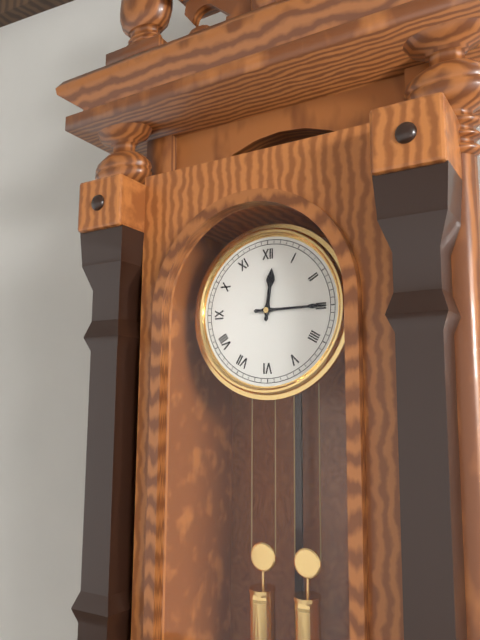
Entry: 12:15
